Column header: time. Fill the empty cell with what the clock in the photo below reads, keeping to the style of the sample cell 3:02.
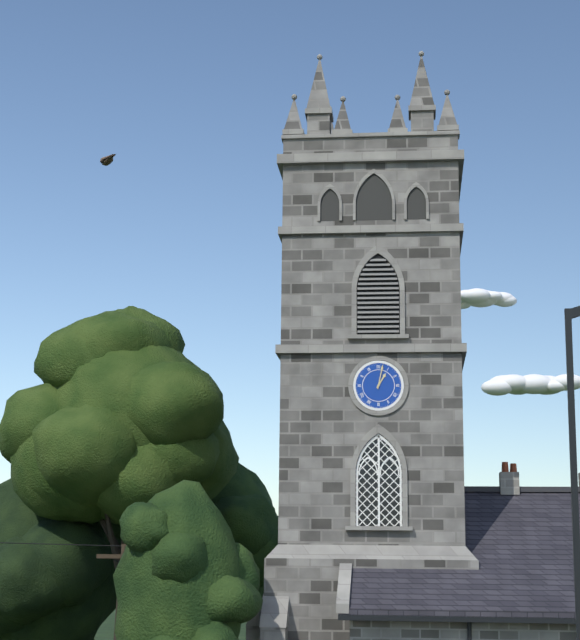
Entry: 1:02
